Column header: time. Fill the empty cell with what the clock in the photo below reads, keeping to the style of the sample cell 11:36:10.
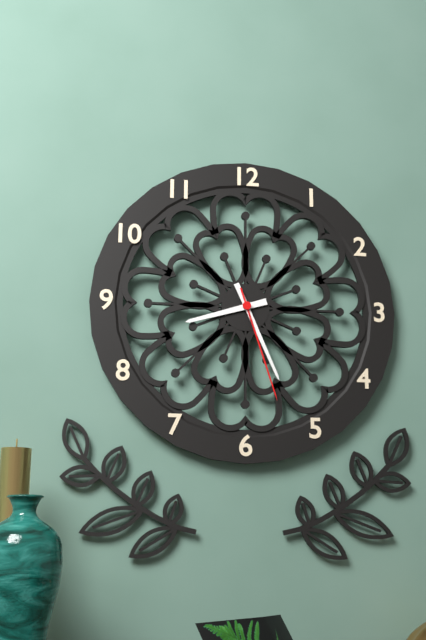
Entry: 8:26:27
